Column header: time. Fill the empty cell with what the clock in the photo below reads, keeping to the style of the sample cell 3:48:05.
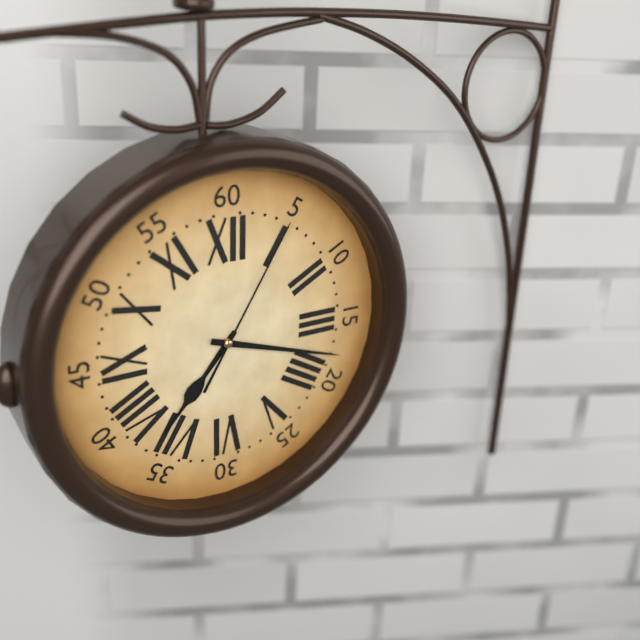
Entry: 7:18:05
